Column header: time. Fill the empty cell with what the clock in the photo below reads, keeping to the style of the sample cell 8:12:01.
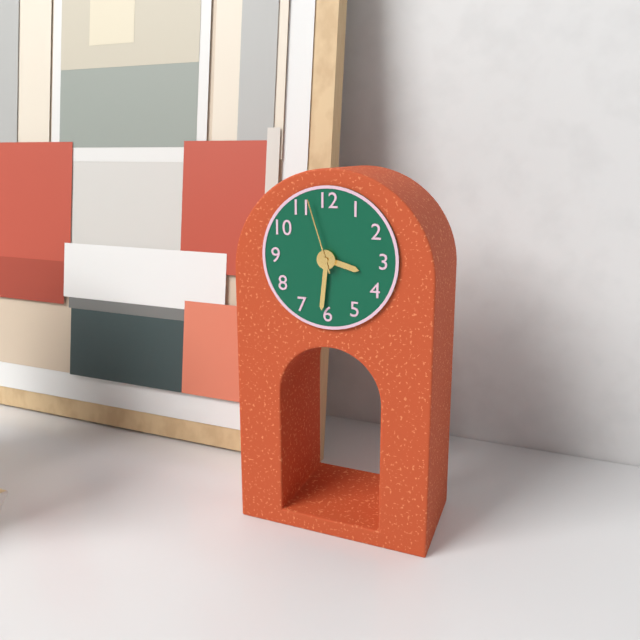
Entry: 3:31:57
